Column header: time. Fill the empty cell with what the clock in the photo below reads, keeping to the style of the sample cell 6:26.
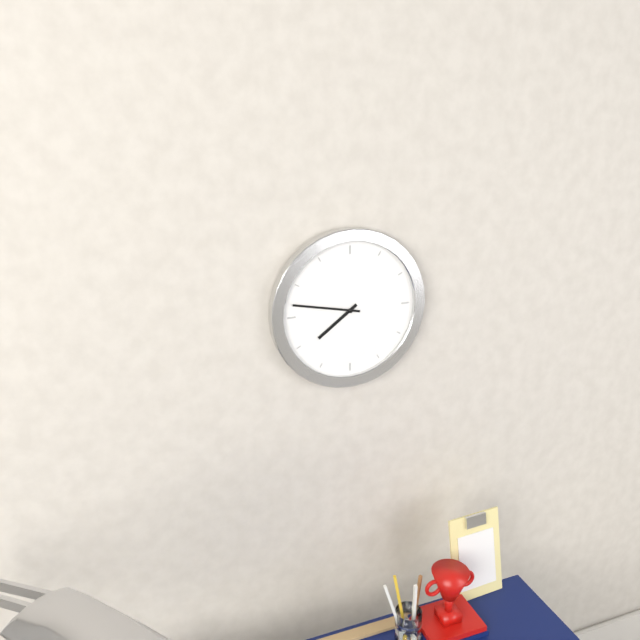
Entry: 7:47
